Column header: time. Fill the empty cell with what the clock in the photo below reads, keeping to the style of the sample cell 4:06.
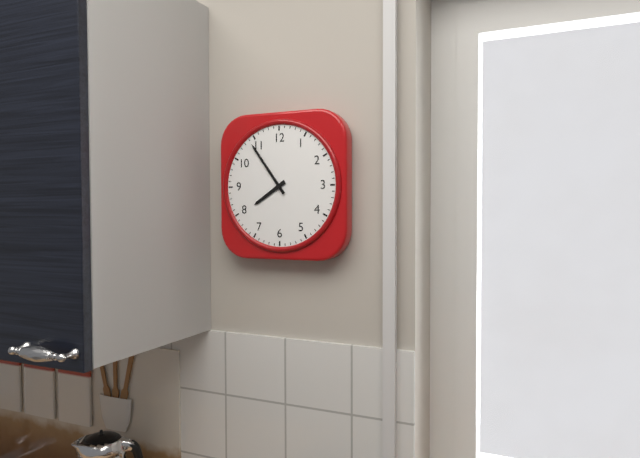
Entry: 7:54
